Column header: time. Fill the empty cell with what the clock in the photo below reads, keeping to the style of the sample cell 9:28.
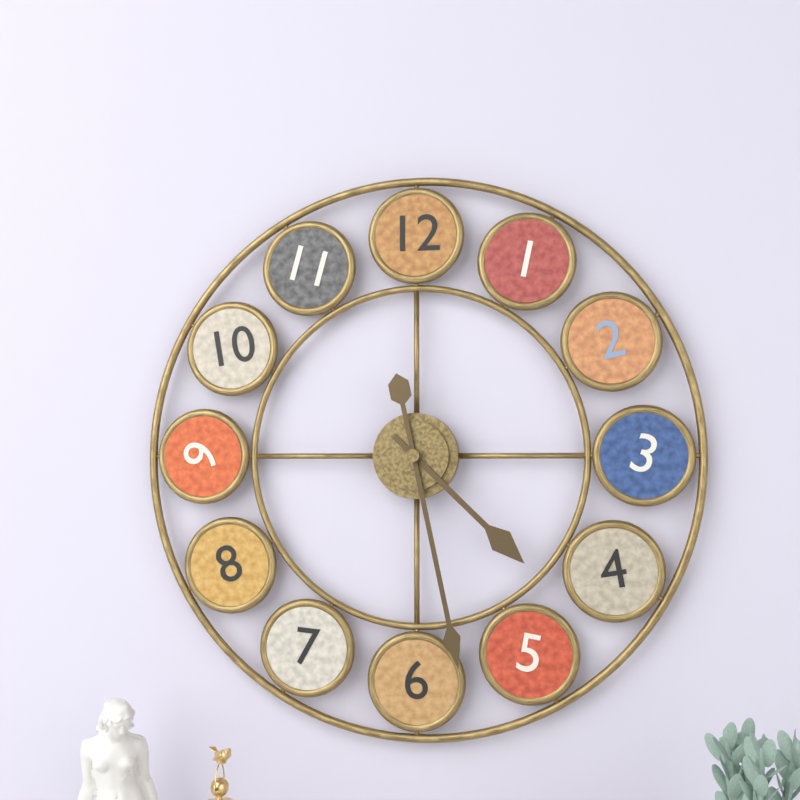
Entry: 4:28
